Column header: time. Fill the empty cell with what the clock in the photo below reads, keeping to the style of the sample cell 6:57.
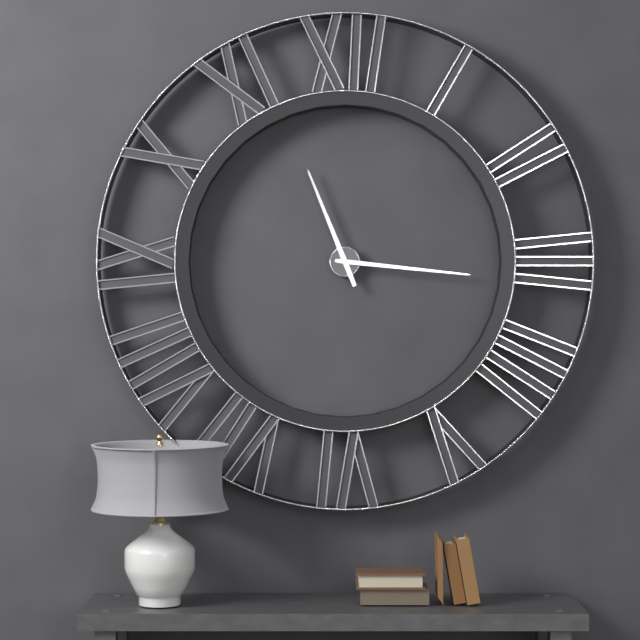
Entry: 11:16
